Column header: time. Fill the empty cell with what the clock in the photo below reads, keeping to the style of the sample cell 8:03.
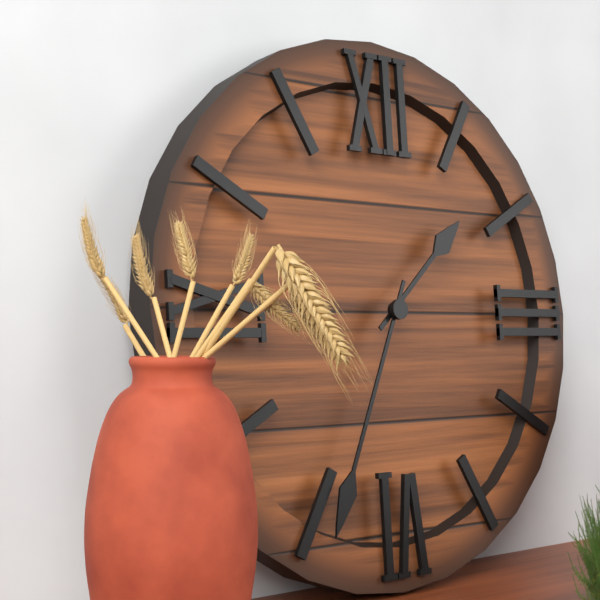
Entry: 1:34
